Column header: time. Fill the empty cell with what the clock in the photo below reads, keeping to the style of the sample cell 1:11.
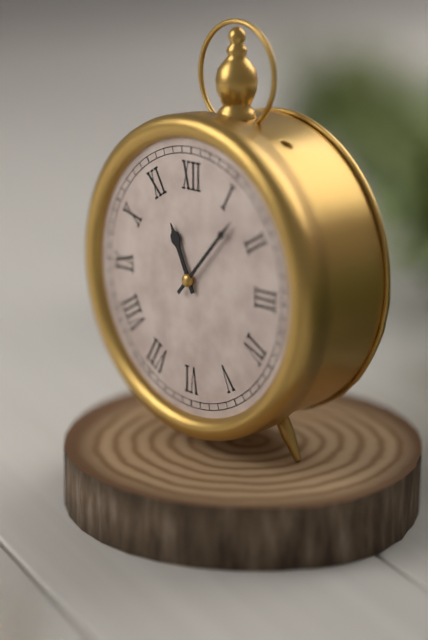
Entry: 11:07
